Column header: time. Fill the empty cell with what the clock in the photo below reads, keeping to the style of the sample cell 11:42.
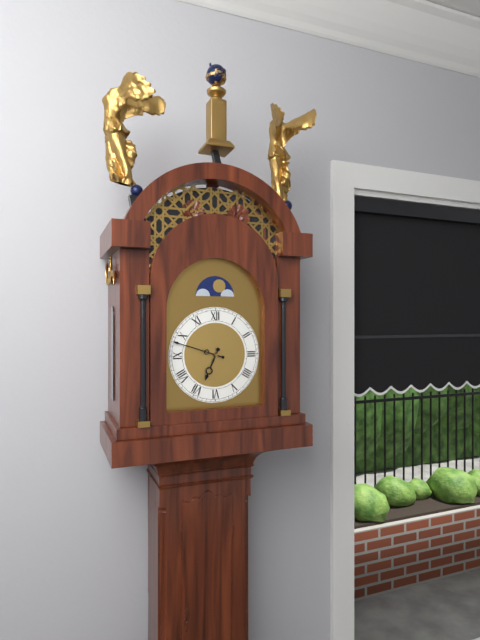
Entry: 6:48
